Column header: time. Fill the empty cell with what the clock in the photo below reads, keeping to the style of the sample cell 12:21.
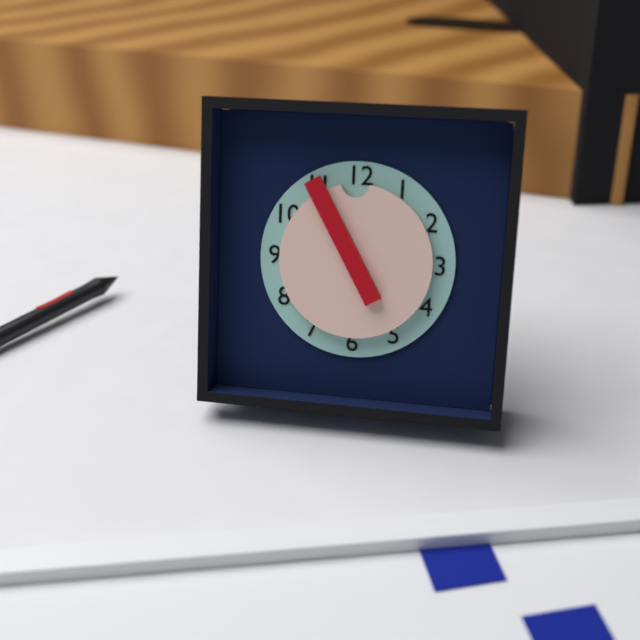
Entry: 11:55
